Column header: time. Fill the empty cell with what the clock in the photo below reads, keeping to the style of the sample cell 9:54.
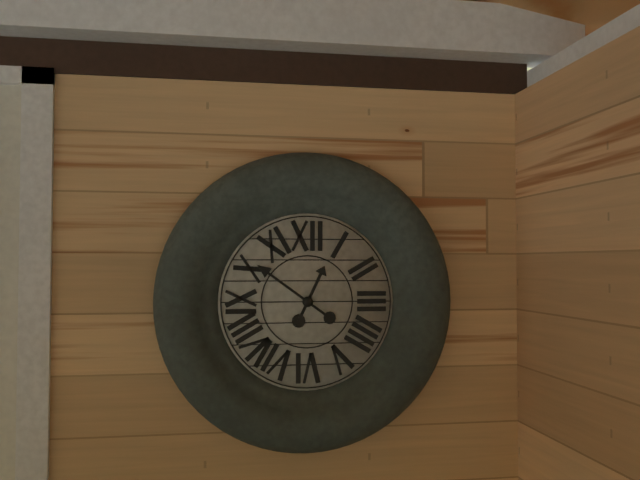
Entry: 12:51
